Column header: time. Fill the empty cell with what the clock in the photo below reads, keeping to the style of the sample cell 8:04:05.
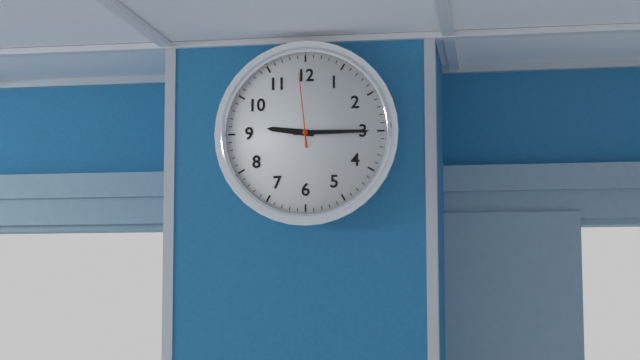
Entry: 9:15:59
